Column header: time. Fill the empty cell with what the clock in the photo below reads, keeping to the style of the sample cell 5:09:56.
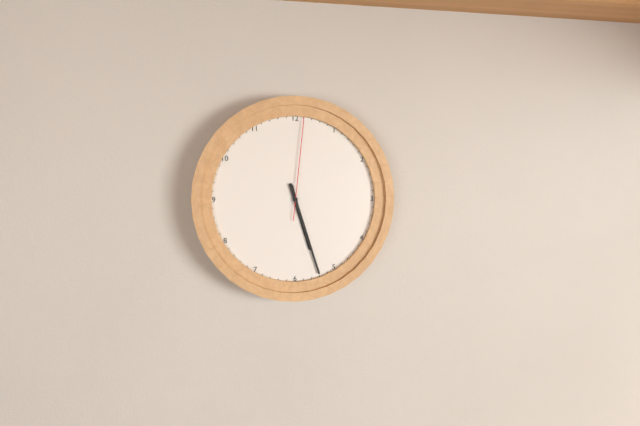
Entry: 5:27:01
